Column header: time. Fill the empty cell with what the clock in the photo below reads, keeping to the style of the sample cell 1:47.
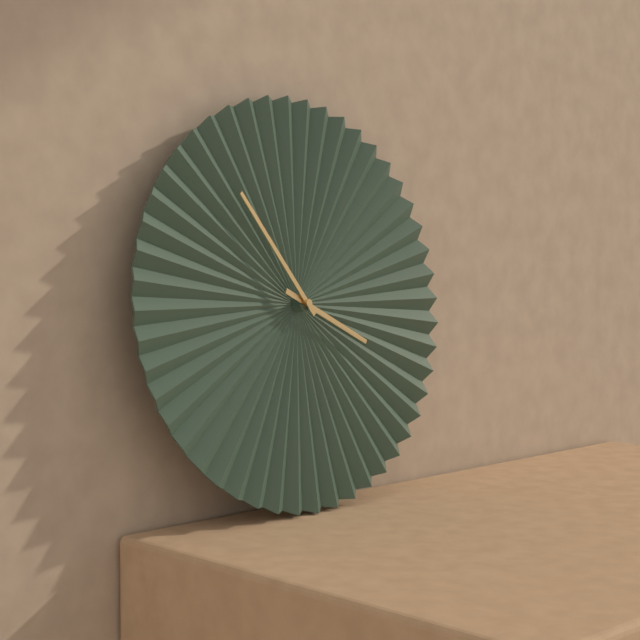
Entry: 3:54
